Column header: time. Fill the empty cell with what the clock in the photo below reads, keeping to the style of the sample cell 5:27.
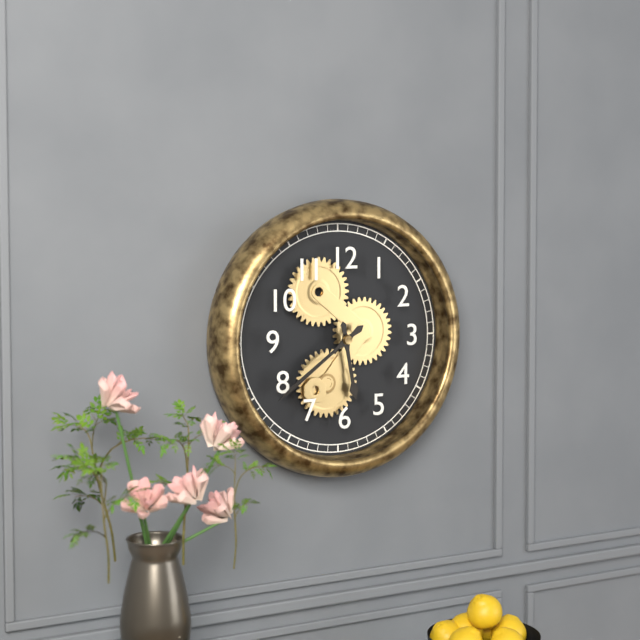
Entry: 5:39
